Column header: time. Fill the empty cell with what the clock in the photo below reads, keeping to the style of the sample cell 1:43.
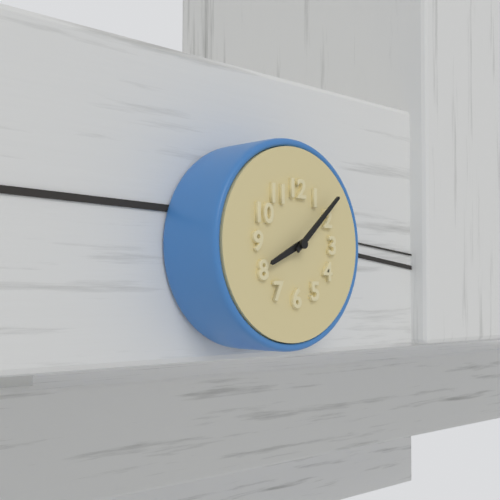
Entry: 8:08
